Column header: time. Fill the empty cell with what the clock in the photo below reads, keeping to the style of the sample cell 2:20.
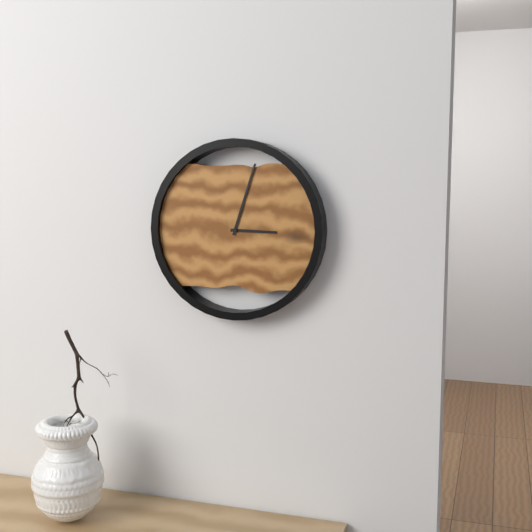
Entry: 3:03
